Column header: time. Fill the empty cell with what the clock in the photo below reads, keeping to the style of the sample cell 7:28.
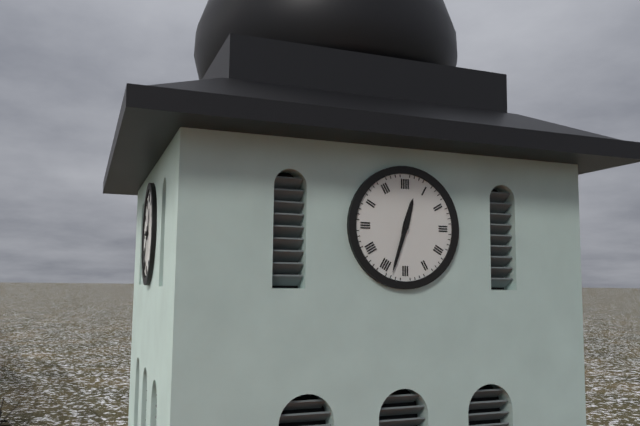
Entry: 12:33
